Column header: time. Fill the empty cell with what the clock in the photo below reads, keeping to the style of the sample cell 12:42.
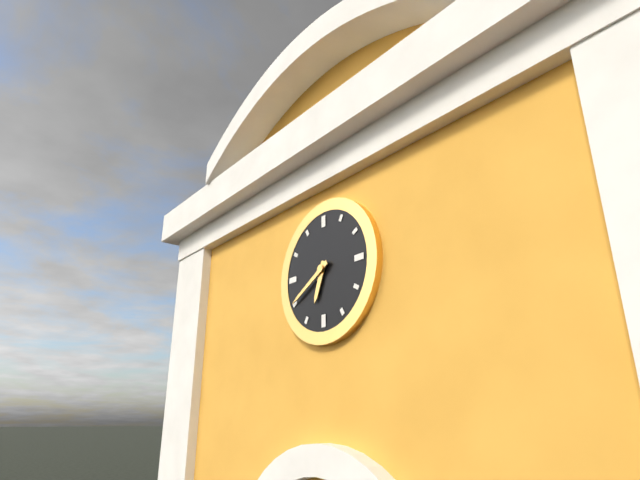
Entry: 6:40
